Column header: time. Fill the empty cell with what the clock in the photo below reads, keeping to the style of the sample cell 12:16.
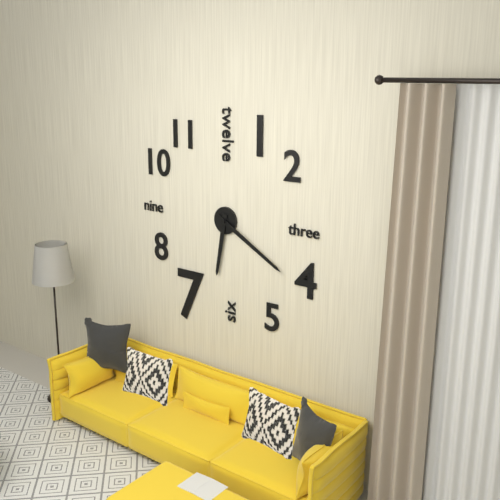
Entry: 6:20
